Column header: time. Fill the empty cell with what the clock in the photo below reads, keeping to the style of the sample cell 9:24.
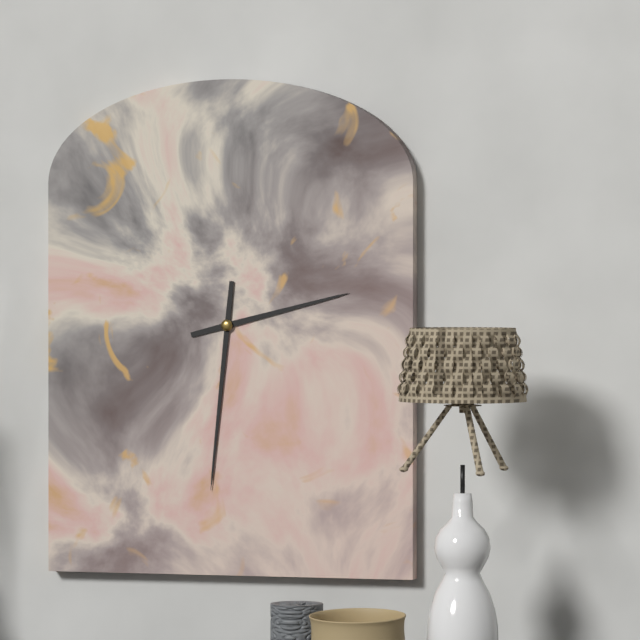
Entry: 2:31
